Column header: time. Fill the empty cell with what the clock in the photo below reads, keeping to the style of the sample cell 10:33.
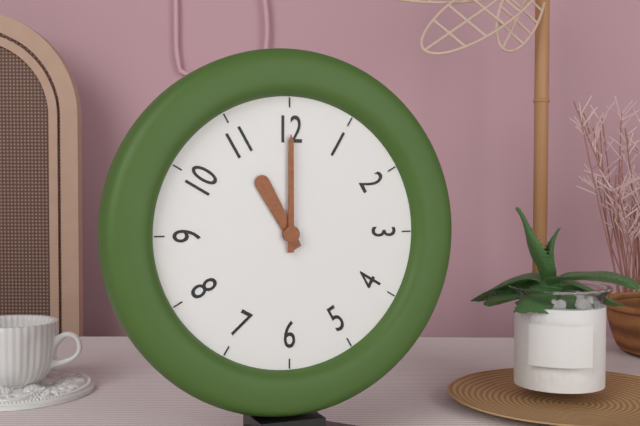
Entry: 11:00
